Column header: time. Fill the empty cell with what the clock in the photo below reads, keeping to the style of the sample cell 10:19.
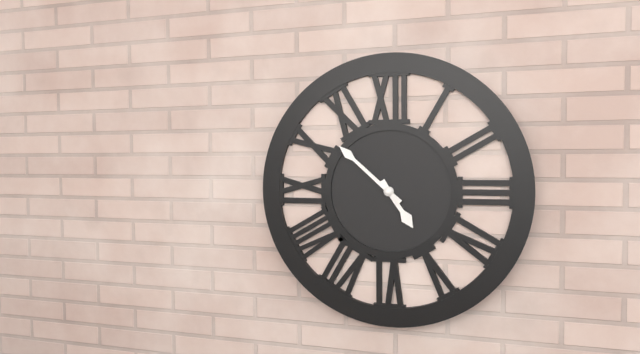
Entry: 4:52
